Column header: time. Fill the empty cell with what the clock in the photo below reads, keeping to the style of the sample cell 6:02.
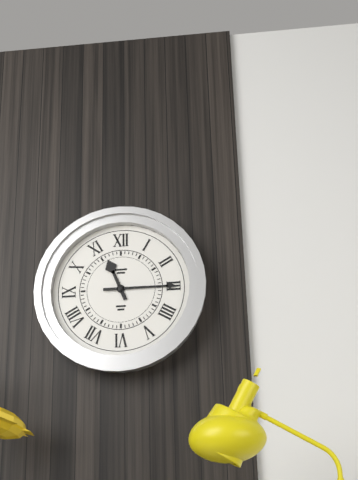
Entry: 11:15
